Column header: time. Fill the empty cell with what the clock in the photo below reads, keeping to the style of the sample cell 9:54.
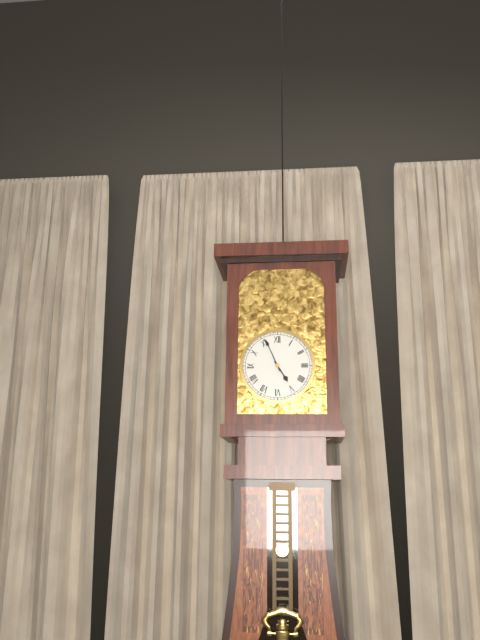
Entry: 4:56
